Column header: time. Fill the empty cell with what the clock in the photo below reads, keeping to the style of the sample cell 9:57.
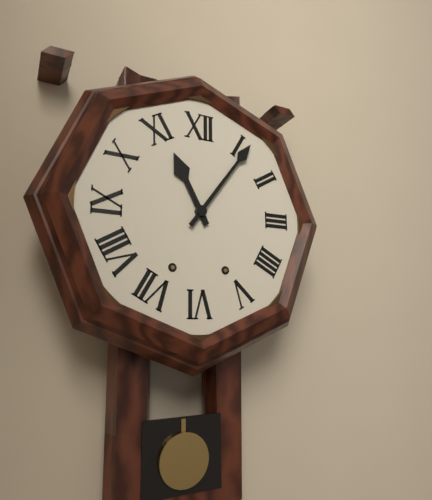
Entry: 11:06
